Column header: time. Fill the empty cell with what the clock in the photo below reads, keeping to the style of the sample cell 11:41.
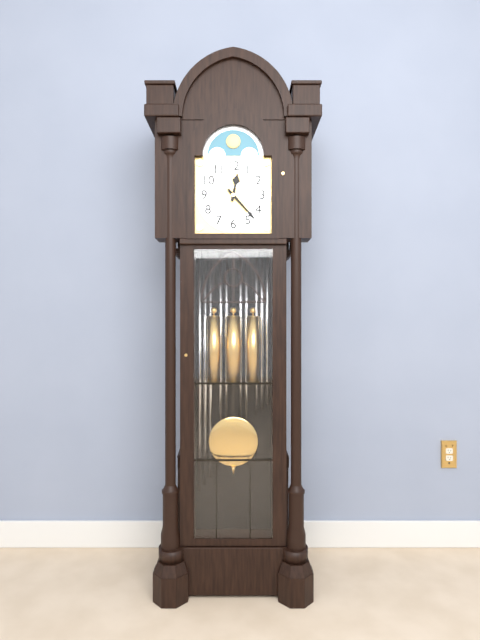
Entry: 12:23
